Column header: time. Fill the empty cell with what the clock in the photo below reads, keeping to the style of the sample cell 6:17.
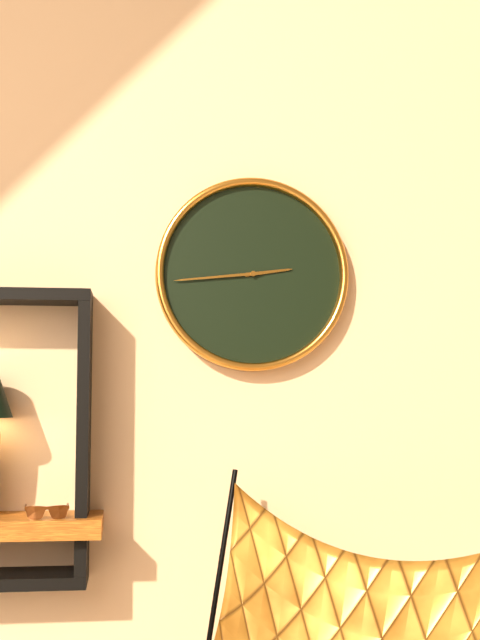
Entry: 2:44
